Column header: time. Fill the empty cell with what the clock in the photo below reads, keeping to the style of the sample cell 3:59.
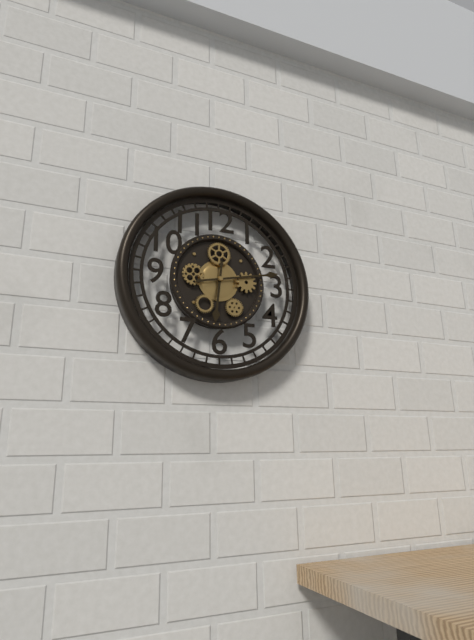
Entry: 6:13
